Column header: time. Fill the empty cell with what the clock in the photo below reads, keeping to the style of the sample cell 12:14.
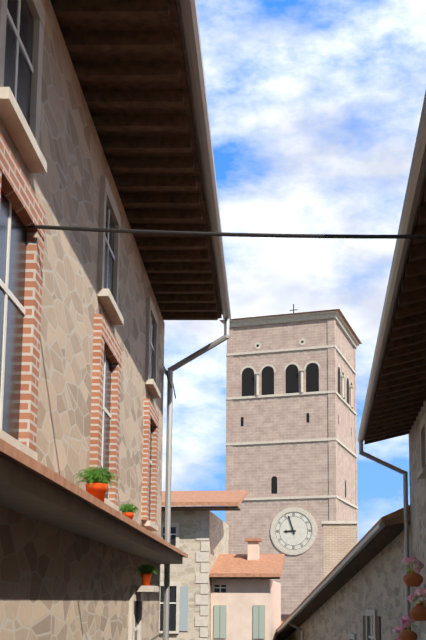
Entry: 8:57
